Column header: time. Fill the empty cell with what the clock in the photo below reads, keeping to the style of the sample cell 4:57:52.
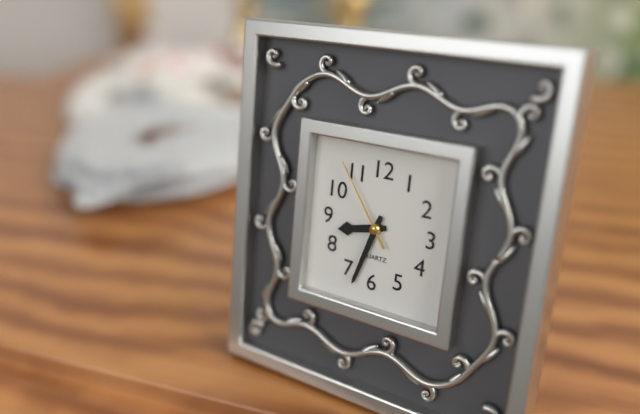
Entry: 8:33:54
